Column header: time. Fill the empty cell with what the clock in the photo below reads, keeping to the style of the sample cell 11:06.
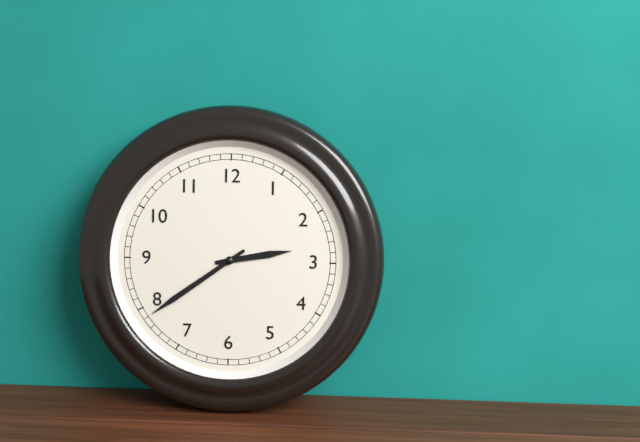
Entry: 2:39
